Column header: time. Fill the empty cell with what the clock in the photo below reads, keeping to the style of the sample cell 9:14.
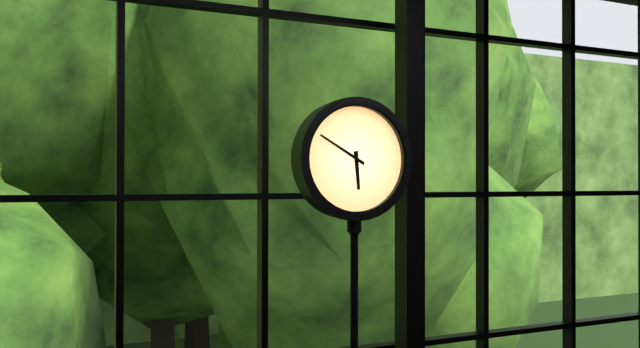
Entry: 5:50
